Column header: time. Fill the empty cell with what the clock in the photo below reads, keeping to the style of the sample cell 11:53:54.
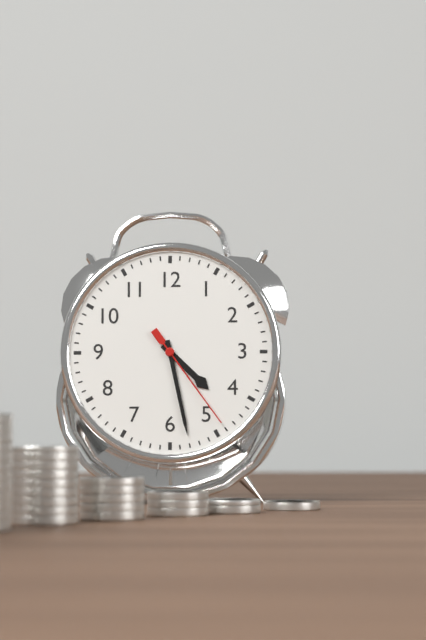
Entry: 4:28:24
